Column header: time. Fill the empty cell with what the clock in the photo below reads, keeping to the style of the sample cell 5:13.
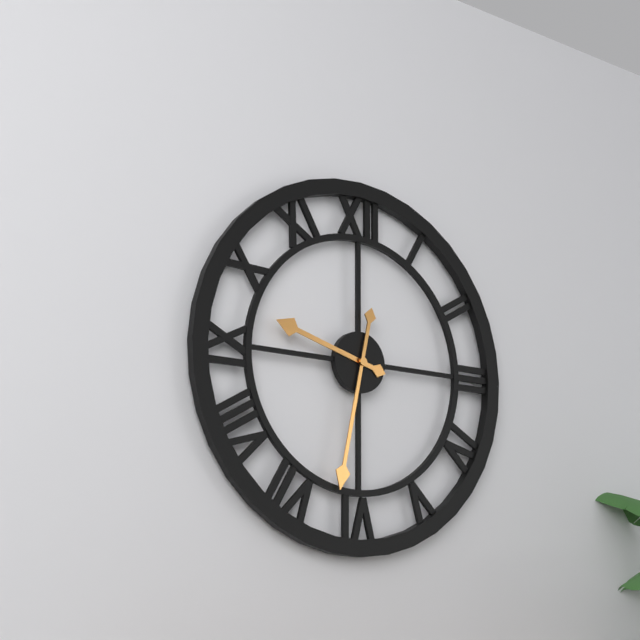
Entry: 9:32
